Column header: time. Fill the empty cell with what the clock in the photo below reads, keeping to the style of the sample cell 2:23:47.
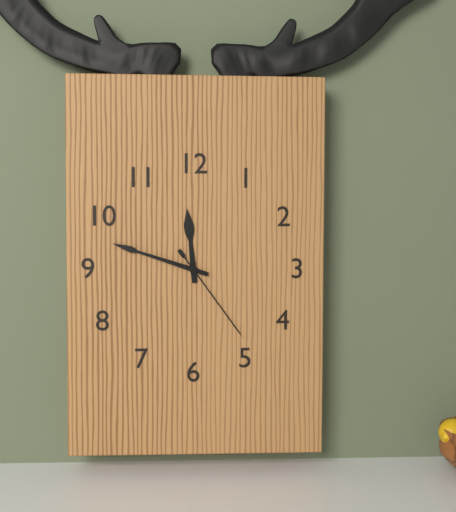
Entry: 11:48:24
